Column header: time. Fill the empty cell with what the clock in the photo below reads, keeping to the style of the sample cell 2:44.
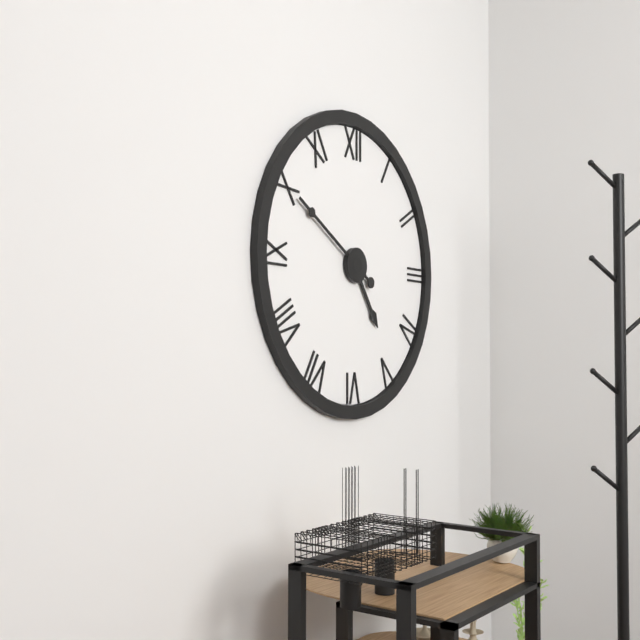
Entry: 4:50
